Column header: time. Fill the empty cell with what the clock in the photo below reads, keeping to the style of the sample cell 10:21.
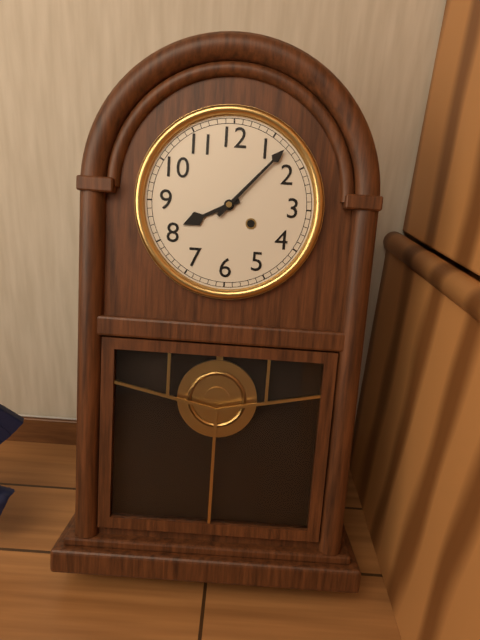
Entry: 8:07
